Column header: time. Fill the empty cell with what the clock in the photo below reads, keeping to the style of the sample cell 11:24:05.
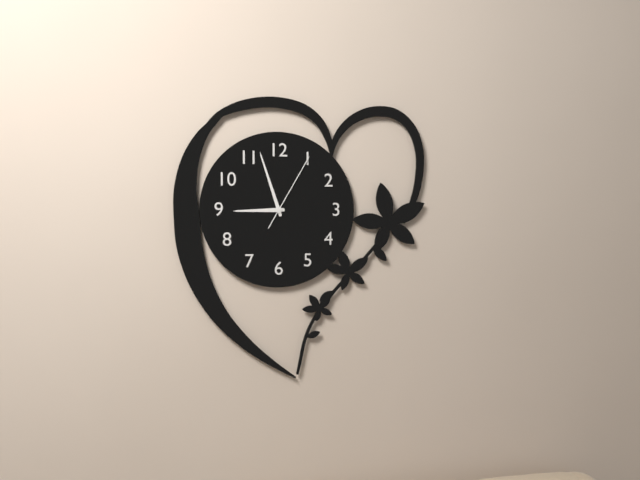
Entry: 8:57:05
